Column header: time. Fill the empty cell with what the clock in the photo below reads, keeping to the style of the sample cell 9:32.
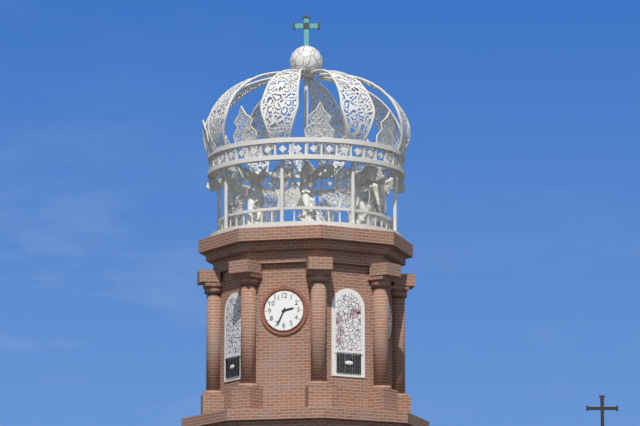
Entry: 2:34
